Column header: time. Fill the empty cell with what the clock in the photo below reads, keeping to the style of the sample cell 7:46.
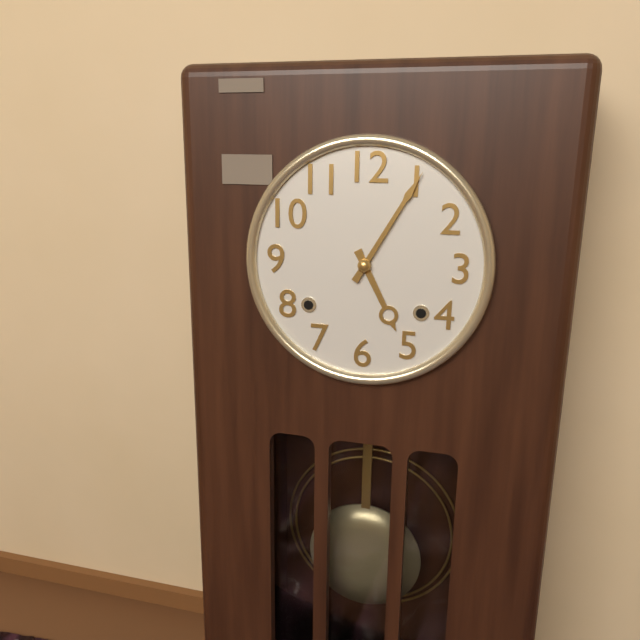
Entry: 5:05
